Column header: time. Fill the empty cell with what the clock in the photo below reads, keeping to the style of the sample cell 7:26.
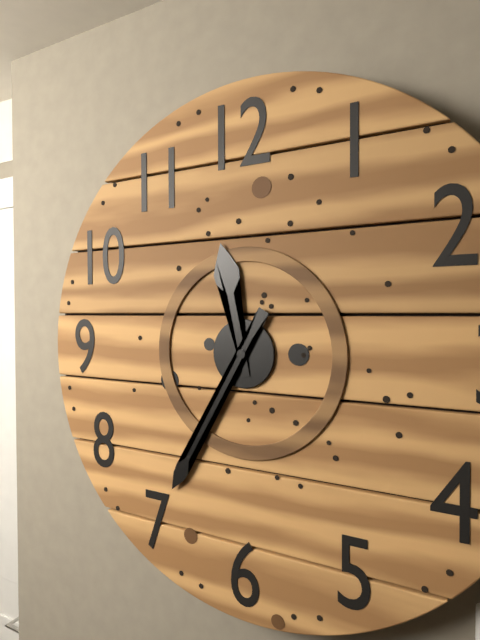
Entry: 11:35
